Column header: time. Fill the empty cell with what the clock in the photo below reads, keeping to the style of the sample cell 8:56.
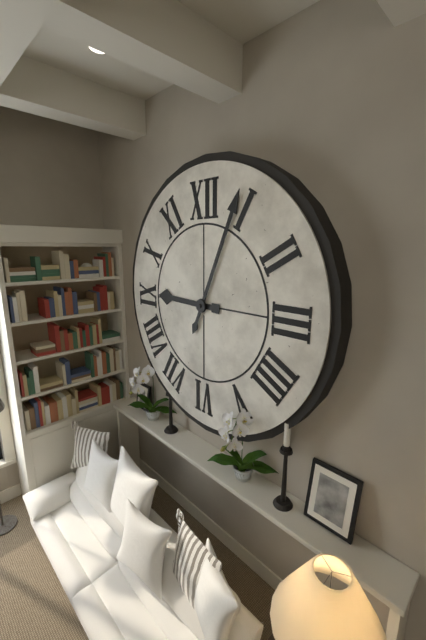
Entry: 9:04
